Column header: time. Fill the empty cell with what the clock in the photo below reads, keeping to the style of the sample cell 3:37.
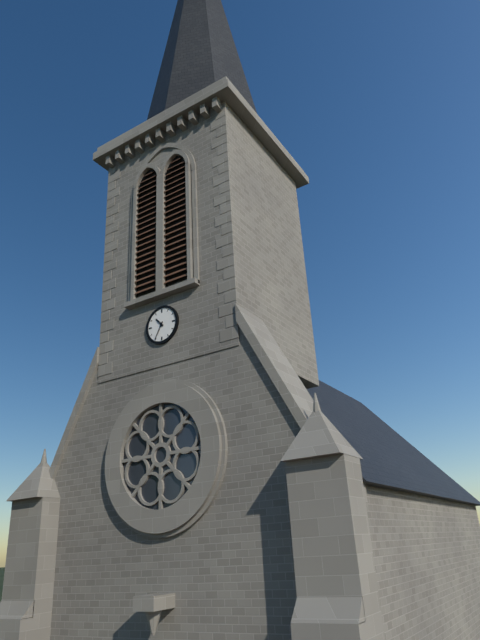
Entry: 10:35
